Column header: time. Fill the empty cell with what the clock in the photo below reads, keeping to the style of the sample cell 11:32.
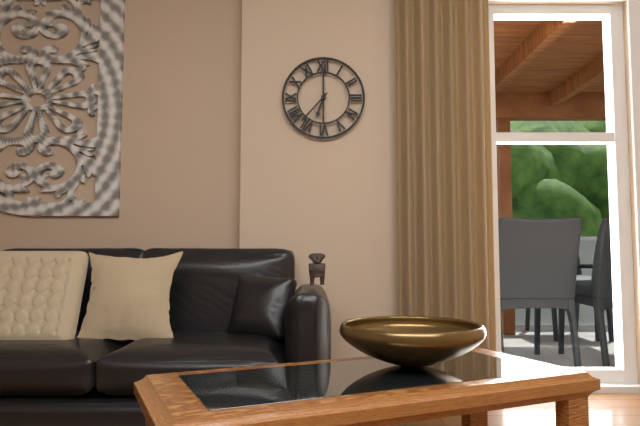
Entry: 6:37
